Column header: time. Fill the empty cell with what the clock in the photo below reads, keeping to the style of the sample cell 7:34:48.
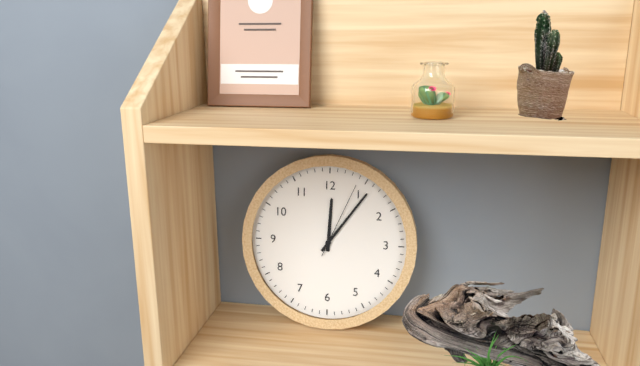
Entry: 12:06:04
